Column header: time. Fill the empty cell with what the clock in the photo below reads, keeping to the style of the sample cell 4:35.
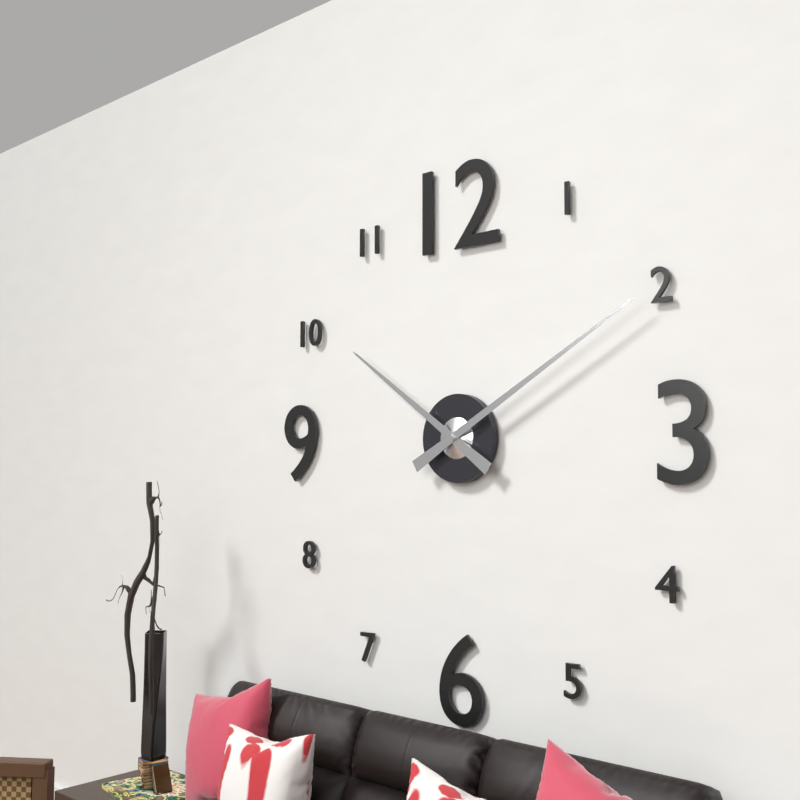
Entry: 10:10
